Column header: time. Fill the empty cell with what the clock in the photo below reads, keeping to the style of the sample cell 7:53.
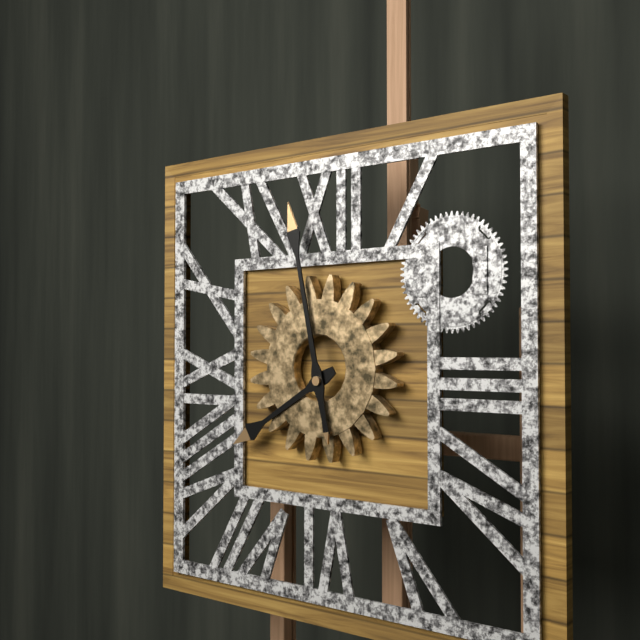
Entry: 7:58
